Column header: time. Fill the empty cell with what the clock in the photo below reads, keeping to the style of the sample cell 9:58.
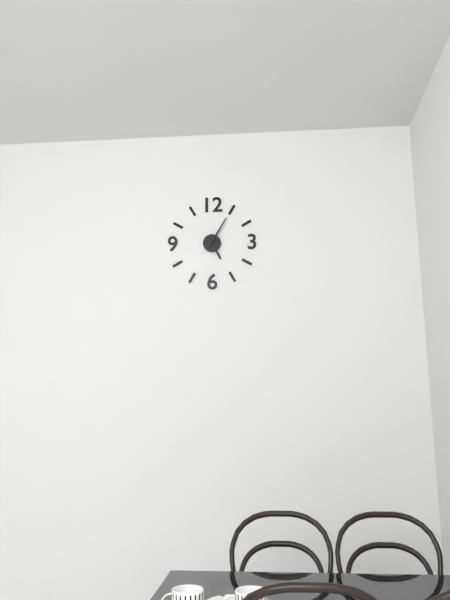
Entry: 5:05
